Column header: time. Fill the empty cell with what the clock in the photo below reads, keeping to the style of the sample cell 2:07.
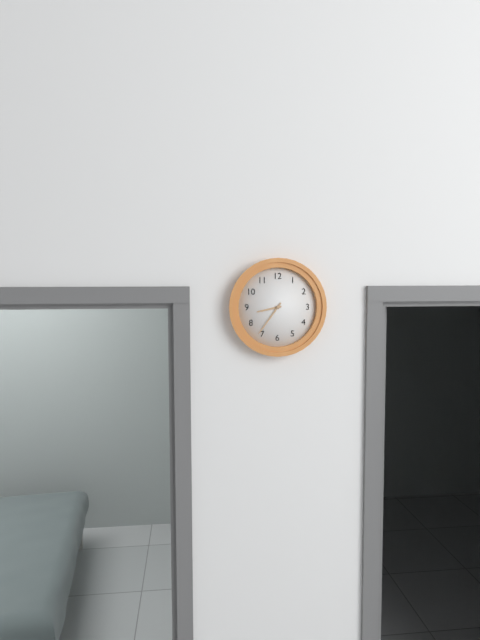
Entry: 8:36
